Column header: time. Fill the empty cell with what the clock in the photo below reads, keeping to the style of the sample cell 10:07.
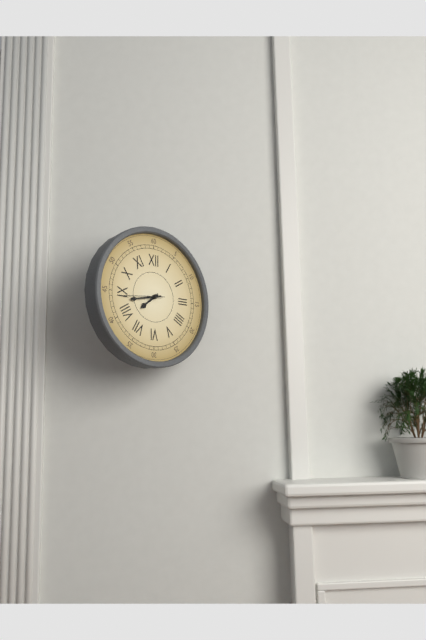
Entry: 7:43
